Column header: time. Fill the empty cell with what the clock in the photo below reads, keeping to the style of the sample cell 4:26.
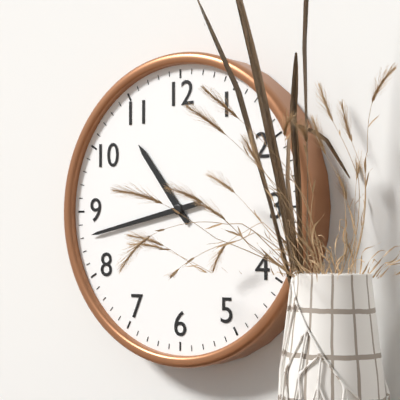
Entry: 10:43
